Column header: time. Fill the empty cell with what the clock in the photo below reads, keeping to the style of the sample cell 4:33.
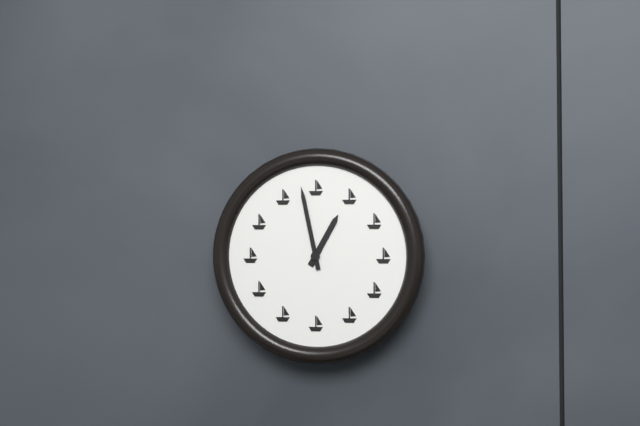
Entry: 12:58
